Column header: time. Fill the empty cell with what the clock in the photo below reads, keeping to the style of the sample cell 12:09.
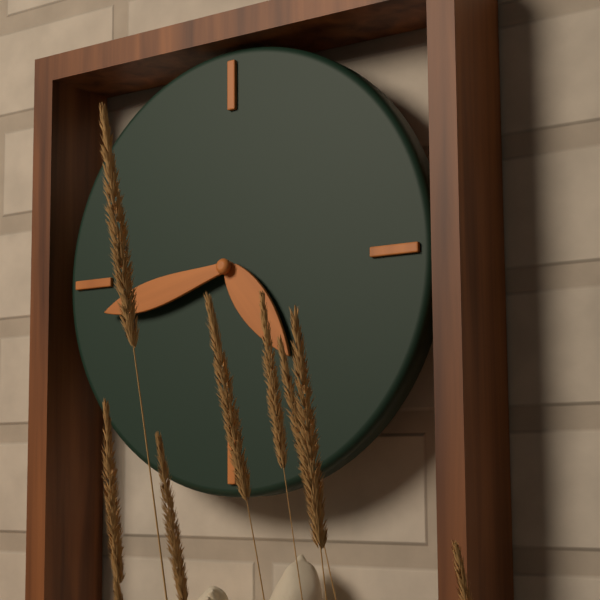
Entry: 4:43
